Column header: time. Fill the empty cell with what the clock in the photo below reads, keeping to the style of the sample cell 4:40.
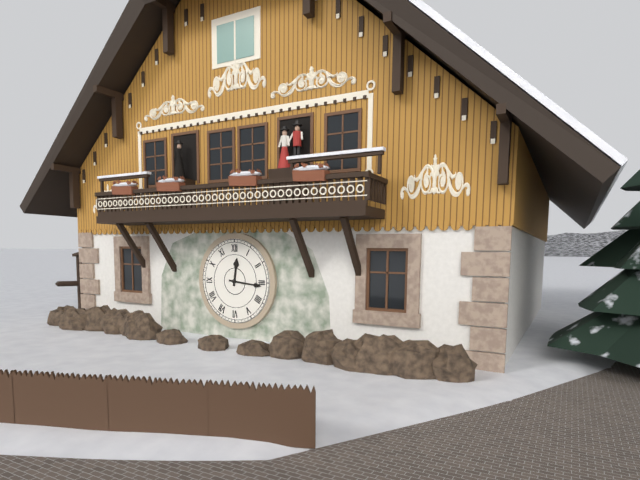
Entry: 12:16
